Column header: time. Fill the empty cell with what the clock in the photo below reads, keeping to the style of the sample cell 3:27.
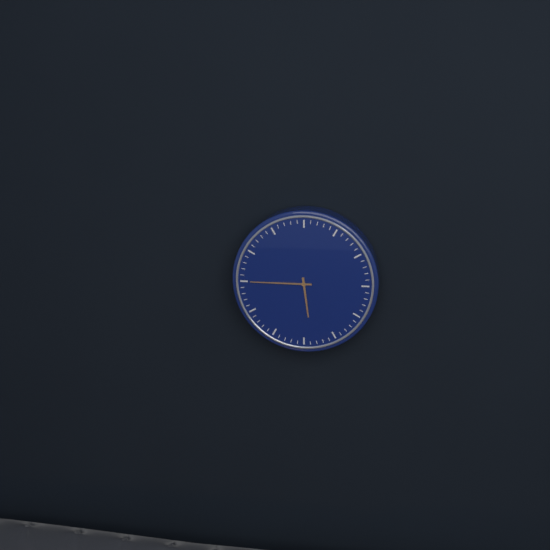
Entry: 5:45
